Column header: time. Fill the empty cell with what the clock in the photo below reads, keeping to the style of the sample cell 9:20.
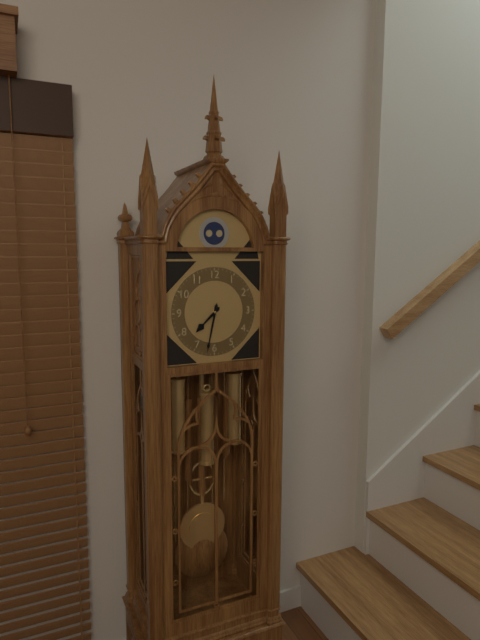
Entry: 7:32
